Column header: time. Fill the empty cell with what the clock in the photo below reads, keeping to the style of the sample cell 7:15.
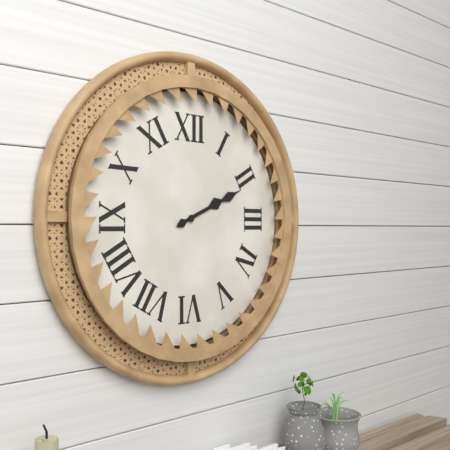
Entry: 2:11
